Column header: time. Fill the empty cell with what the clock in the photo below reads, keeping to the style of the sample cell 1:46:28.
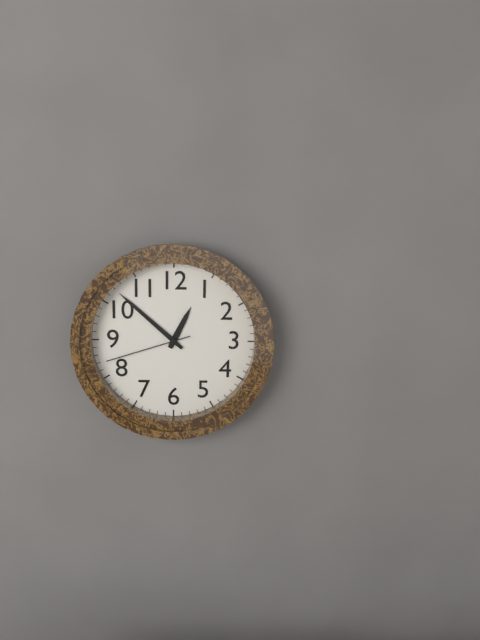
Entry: 12:52:42
